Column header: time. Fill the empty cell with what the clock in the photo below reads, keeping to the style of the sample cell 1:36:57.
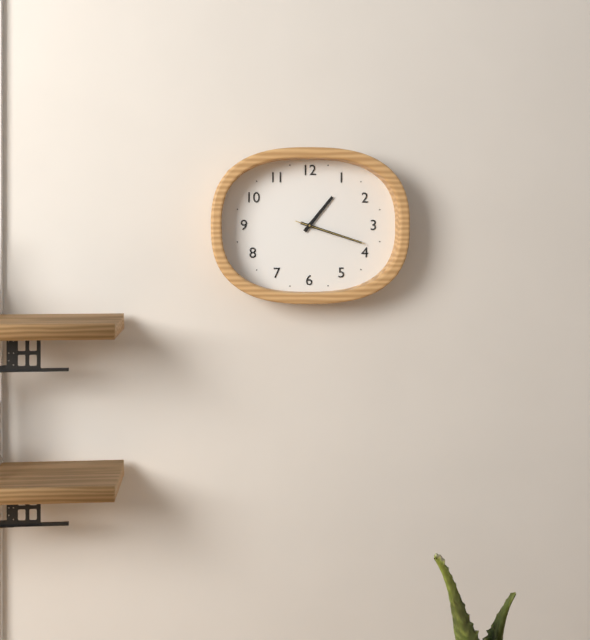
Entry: 1:18:18
